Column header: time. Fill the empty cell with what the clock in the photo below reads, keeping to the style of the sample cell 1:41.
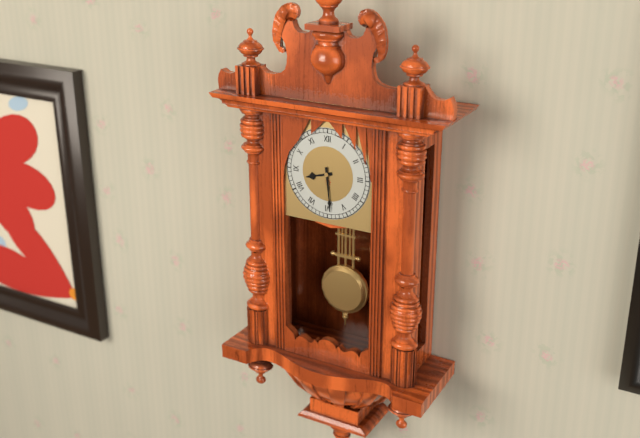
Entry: 8:29
